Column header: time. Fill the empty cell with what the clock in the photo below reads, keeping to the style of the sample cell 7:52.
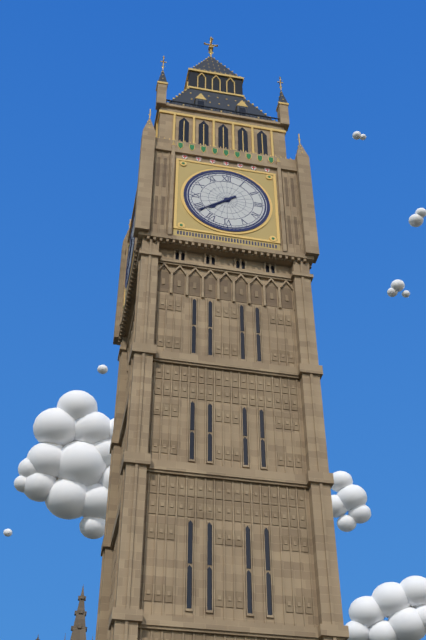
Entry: 7:39
